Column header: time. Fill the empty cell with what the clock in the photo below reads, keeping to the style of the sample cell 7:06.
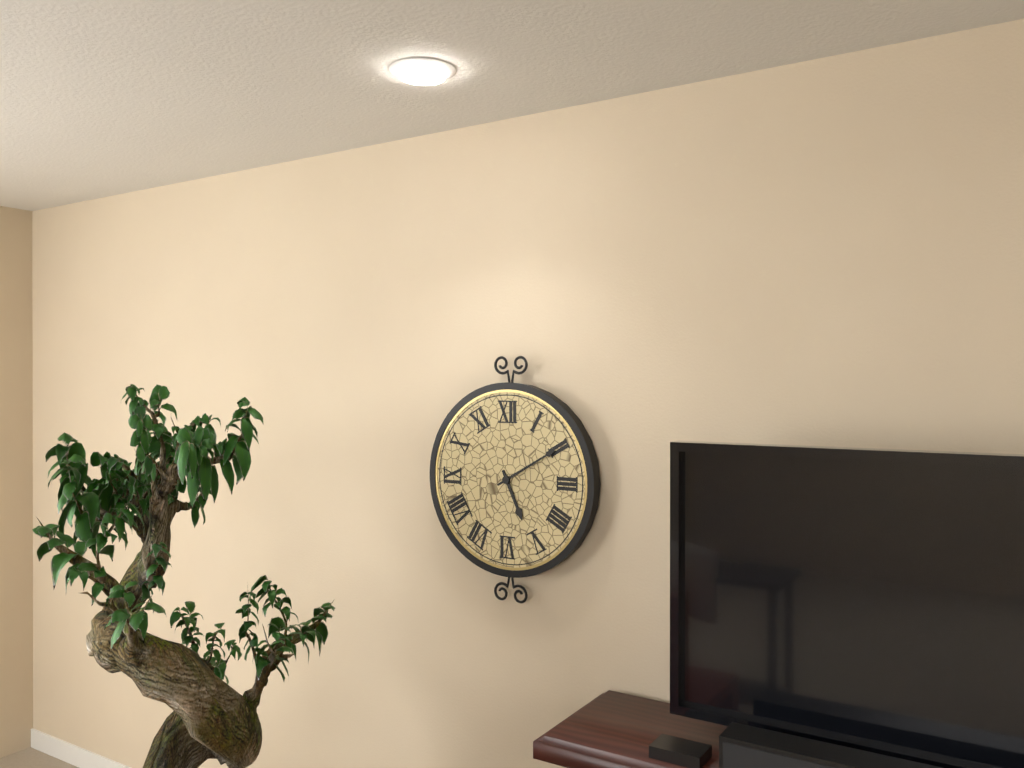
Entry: 5:10
